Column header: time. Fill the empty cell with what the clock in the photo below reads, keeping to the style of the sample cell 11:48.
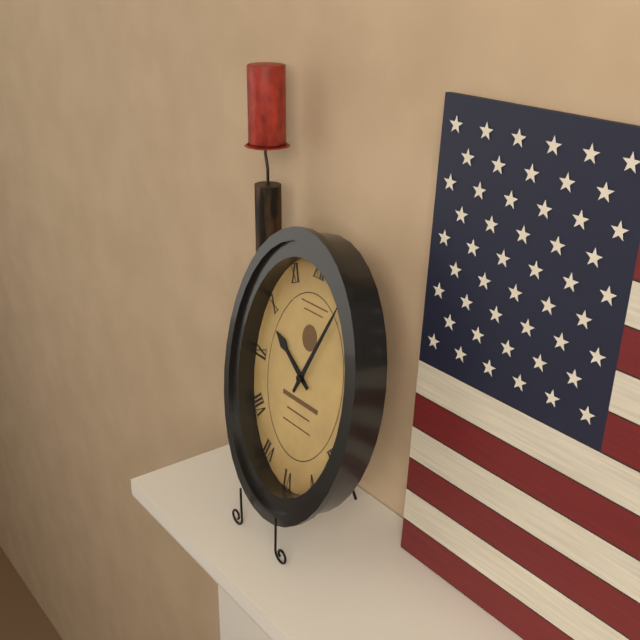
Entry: 10:04
